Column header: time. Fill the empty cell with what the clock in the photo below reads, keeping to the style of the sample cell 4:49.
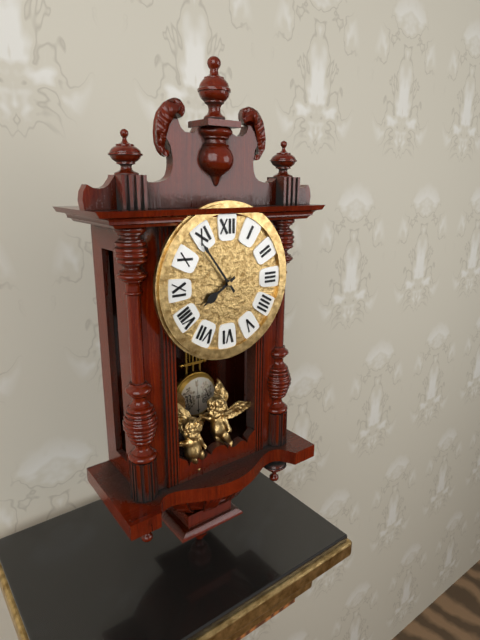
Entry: 7:54
